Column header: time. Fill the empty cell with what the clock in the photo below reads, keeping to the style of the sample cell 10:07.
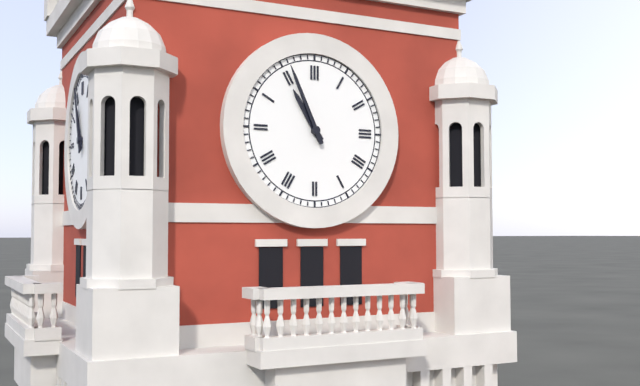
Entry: 10:56
